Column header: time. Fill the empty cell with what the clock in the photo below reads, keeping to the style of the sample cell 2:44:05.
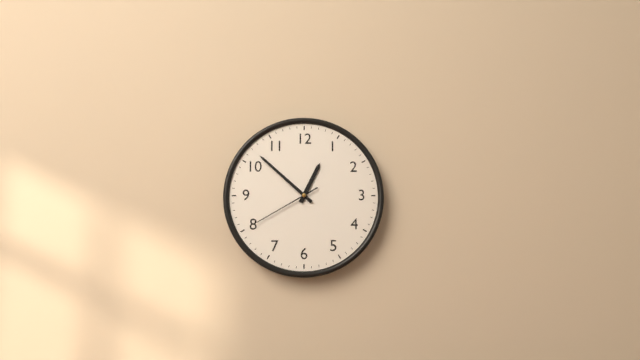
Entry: 12:52:40
